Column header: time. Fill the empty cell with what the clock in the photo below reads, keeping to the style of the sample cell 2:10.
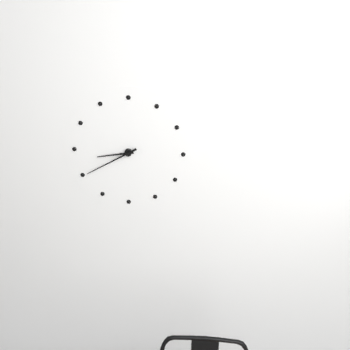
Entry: 8:40
